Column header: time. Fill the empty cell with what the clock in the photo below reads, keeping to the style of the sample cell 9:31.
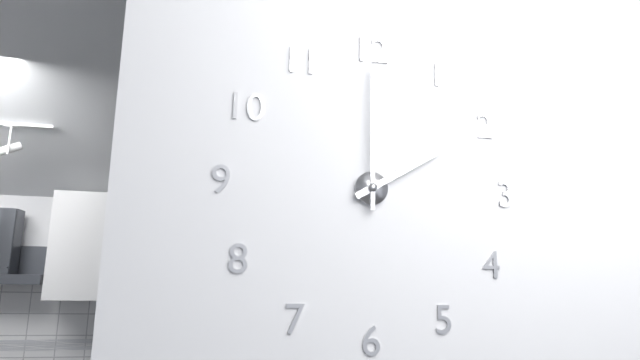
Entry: 2:00
